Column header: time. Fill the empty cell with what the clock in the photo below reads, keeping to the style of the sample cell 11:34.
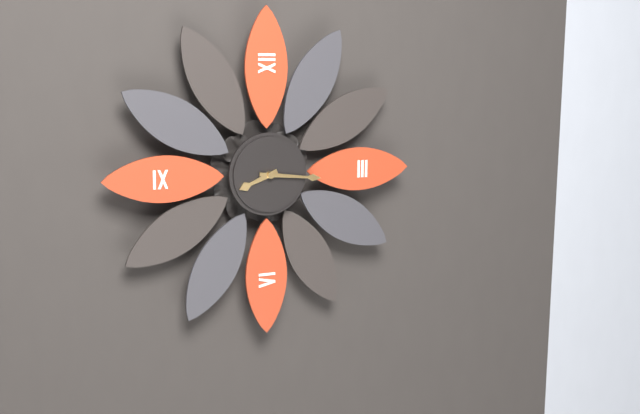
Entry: 8:16
